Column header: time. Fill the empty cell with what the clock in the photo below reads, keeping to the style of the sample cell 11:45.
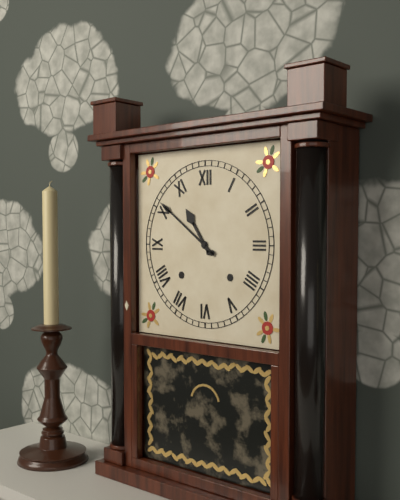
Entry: 10:51
